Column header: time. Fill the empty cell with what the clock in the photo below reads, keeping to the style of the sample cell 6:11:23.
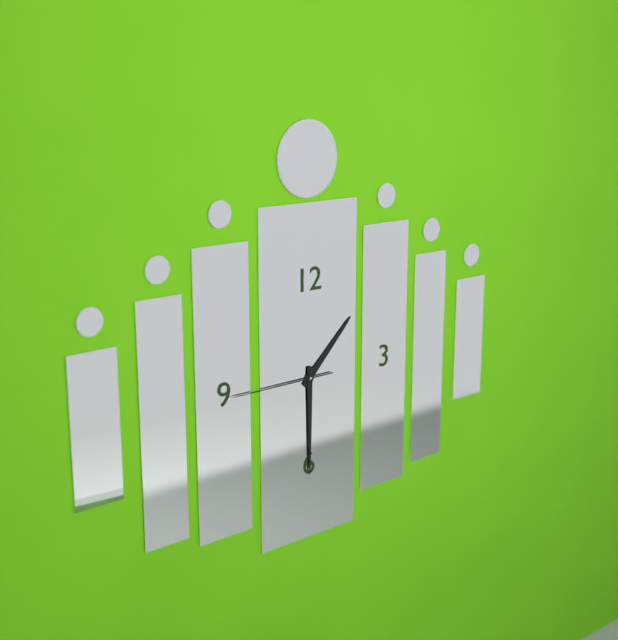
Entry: 1:30:45
